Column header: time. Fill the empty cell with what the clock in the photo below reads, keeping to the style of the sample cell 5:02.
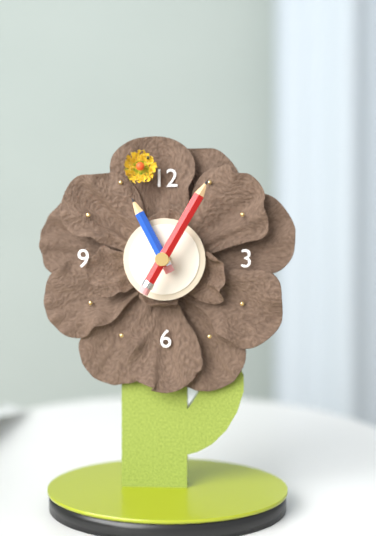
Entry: 11:05
